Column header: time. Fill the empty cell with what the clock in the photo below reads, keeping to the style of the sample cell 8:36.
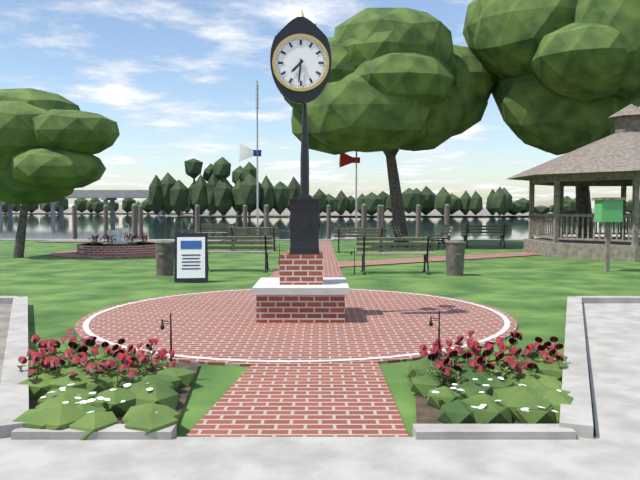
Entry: 7:31
